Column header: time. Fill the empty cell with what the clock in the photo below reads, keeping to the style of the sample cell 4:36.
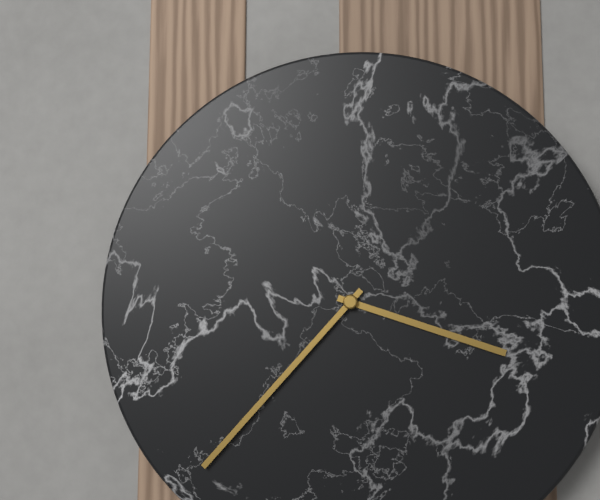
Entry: 3:37
